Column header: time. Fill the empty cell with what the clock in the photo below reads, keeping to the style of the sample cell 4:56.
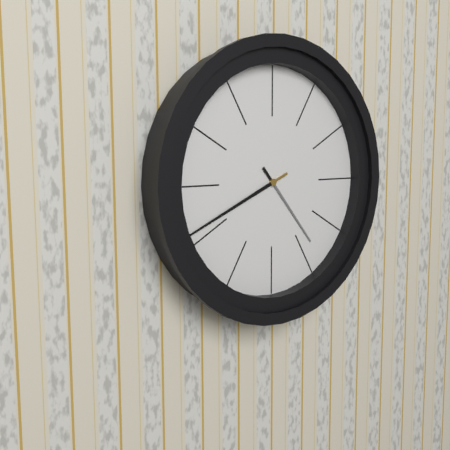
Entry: 4:41
